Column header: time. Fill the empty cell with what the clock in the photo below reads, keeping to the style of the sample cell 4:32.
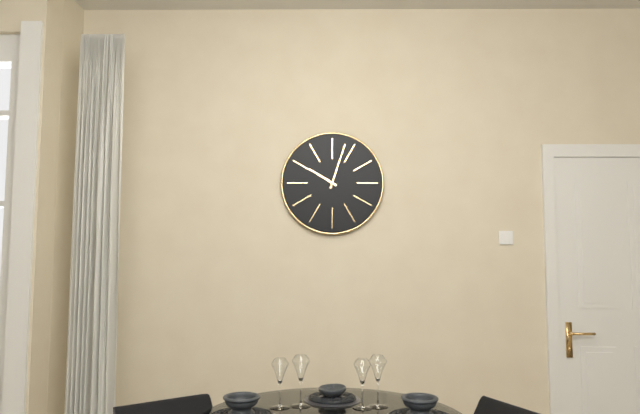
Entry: 10:03
